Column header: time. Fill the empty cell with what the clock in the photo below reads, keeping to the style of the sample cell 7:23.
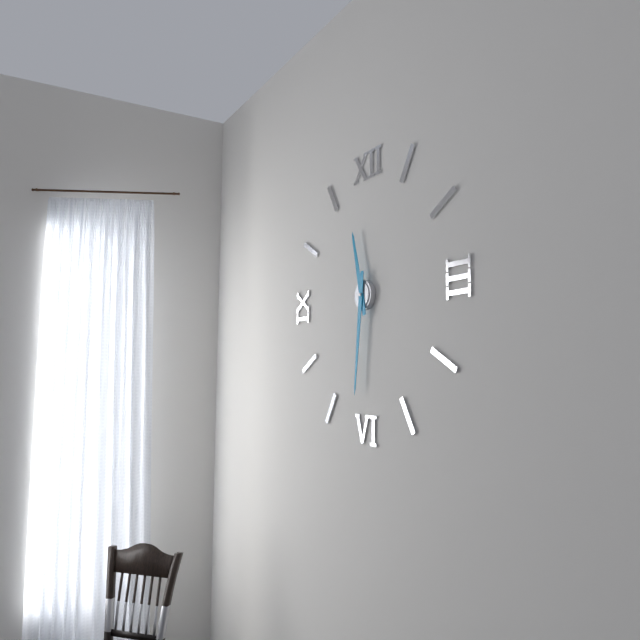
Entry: 11:31
